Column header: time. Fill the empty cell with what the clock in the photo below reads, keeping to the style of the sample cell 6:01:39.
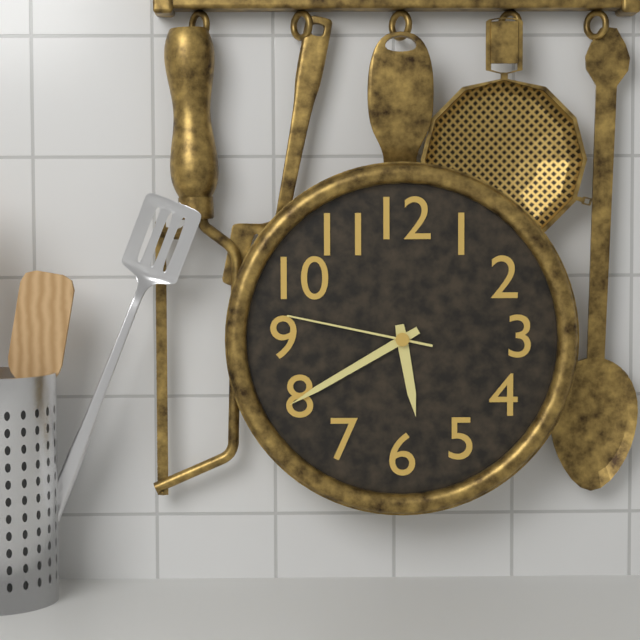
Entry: 5:40:47
